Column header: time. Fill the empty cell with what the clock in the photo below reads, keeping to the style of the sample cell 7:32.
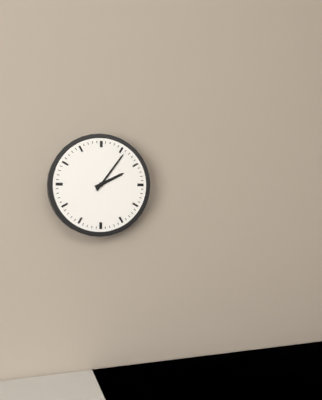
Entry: 2:06
